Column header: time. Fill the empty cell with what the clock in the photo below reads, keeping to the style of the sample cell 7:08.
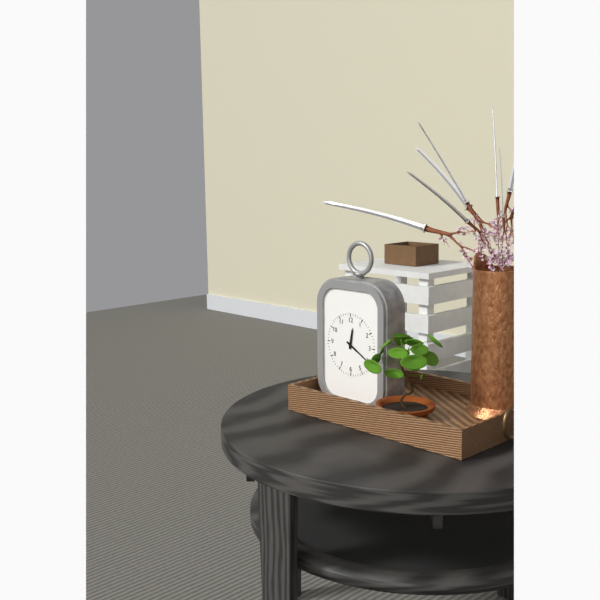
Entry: 12:20
